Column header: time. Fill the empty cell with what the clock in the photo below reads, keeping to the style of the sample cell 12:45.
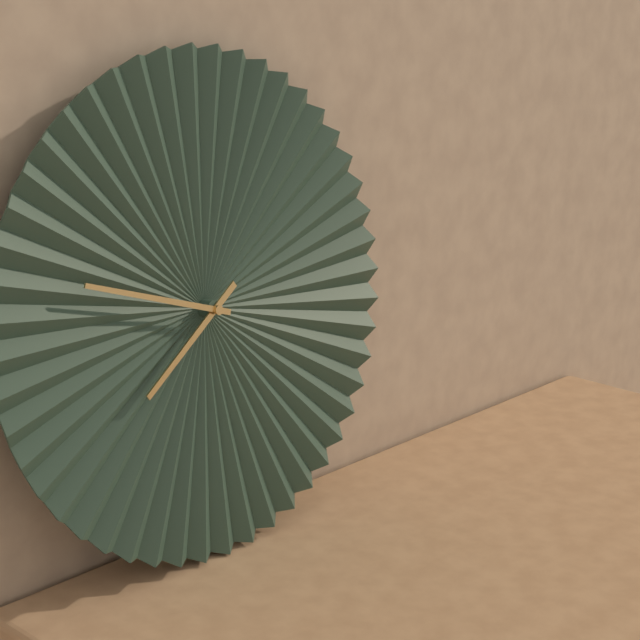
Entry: 7:48
